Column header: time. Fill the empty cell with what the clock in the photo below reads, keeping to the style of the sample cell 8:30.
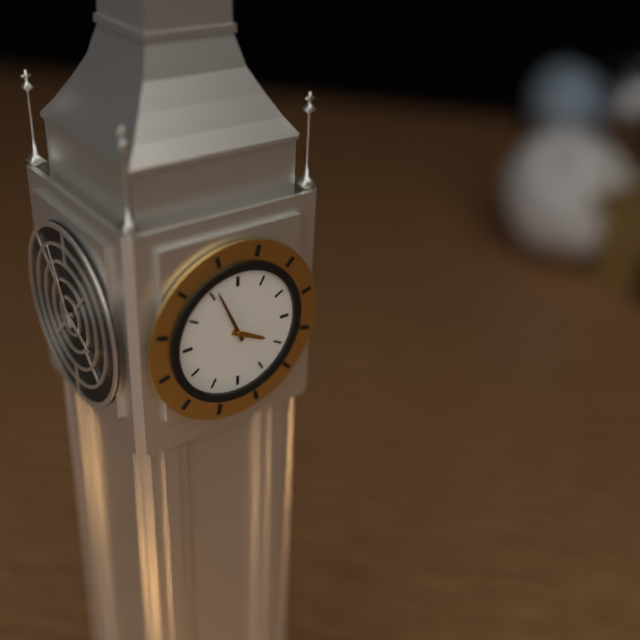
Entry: 3:56
